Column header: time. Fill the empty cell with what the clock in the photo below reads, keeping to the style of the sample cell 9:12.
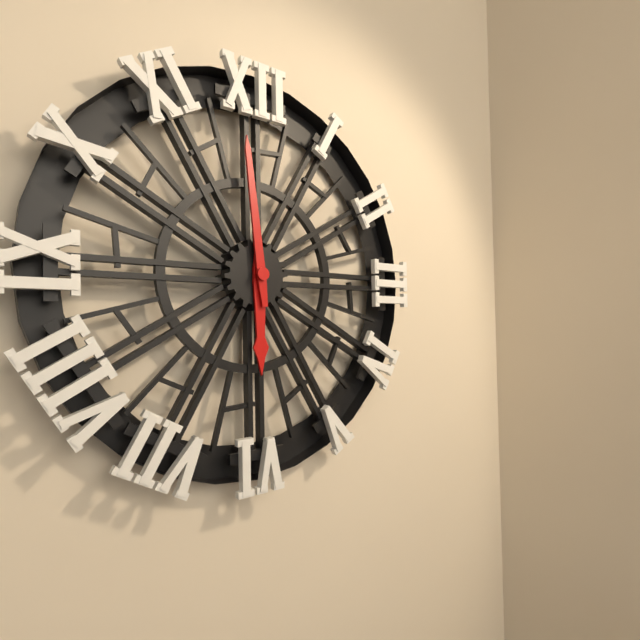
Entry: 5:59
